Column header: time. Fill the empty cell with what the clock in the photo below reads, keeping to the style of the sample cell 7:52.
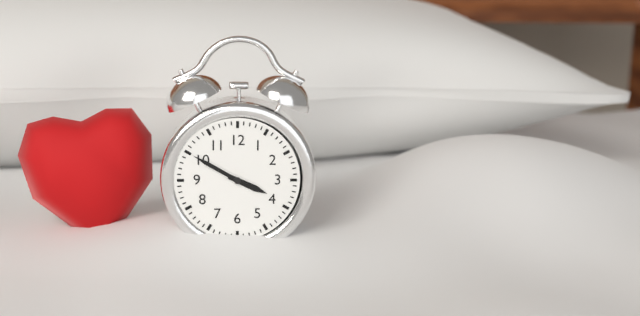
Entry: 3:50
